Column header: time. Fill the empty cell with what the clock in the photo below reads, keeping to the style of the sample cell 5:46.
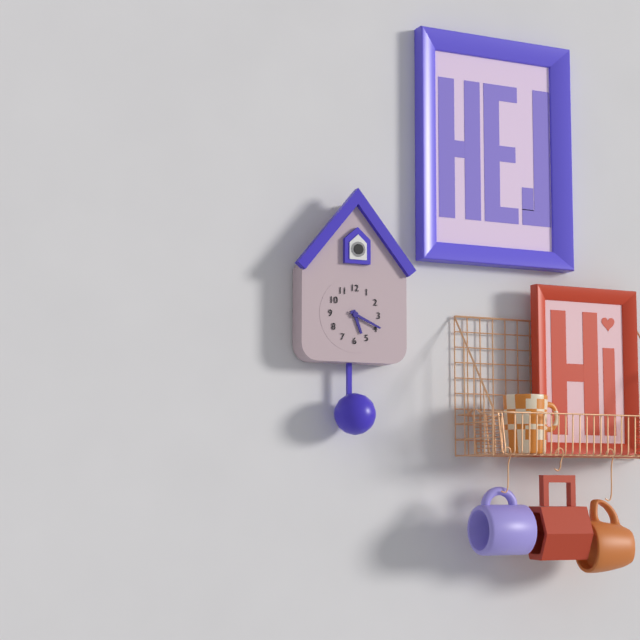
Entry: 5:19
